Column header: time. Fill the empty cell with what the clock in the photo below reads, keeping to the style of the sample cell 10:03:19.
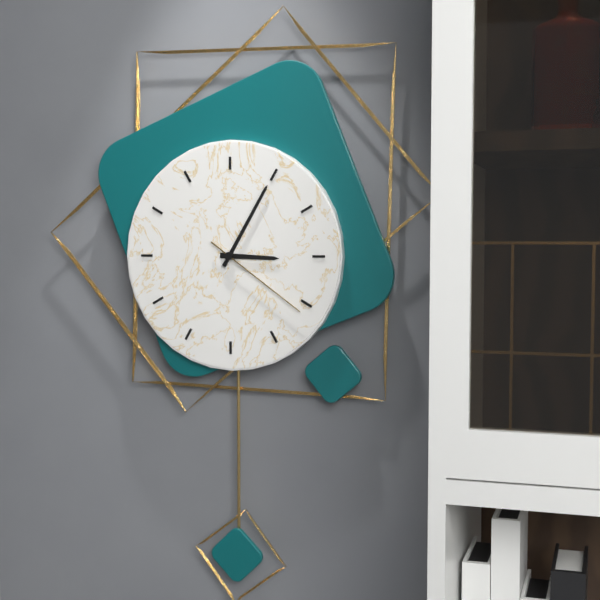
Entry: 3:05:21
